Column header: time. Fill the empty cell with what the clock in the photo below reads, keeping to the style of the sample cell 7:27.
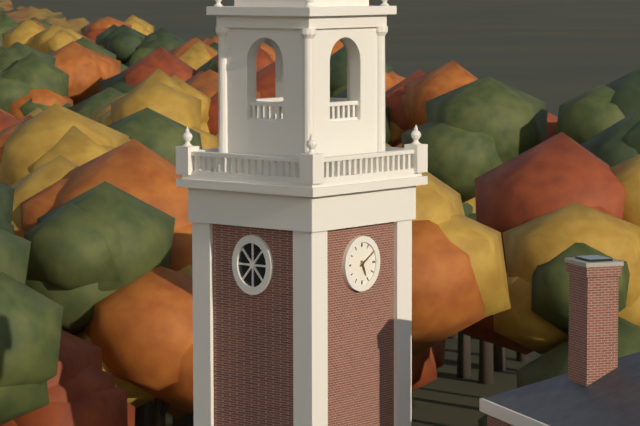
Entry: 5:10
